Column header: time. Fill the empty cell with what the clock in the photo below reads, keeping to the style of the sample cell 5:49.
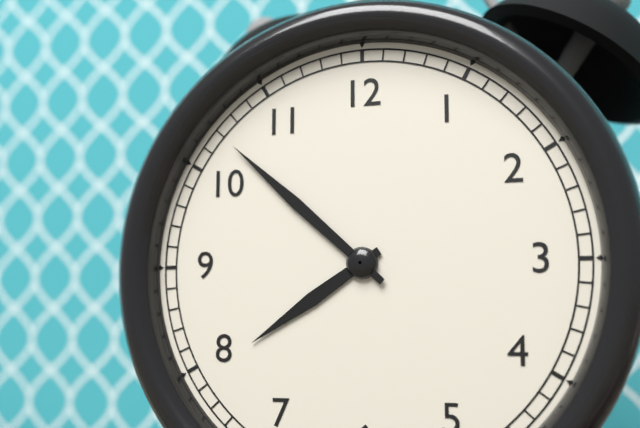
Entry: 7:52
